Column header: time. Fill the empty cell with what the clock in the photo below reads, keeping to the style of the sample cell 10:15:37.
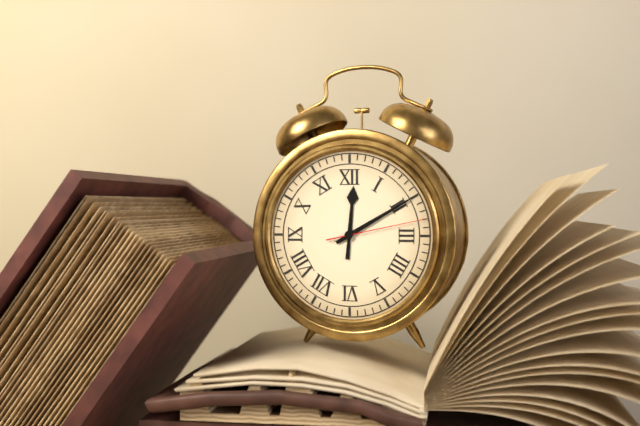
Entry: 12:10:13
